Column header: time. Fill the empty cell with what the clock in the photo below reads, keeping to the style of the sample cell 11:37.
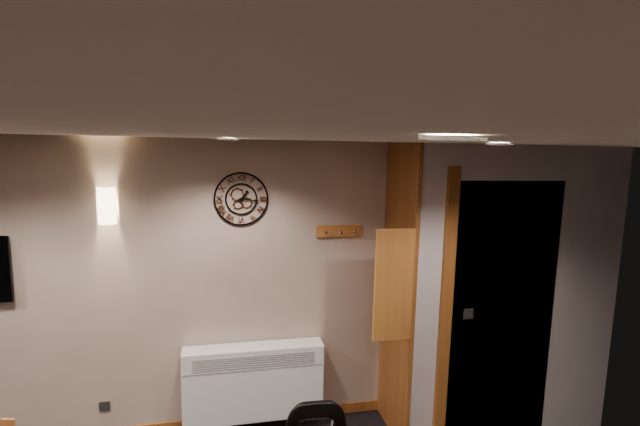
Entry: 1:16
